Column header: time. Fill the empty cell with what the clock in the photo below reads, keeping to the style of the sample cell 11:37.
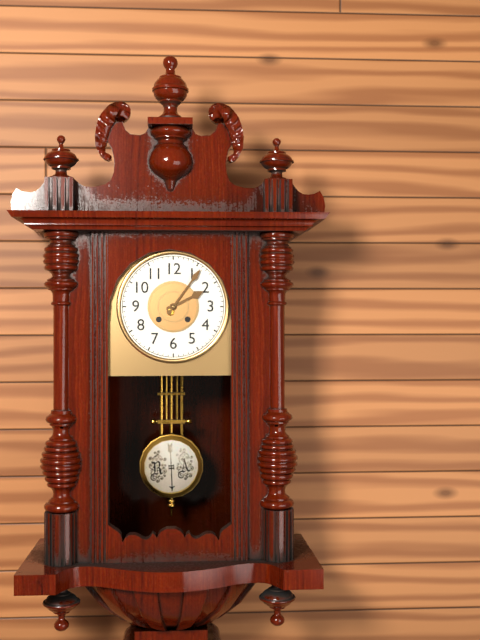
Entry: 2:06
